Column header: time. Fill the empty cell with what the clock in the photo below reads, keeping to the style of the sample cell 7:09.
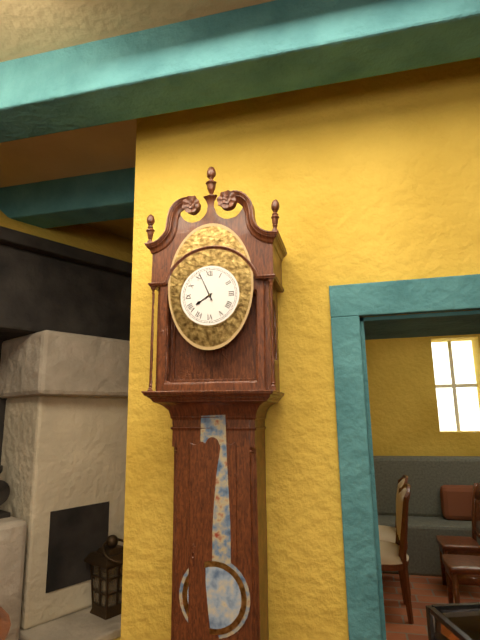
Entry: 7:56
